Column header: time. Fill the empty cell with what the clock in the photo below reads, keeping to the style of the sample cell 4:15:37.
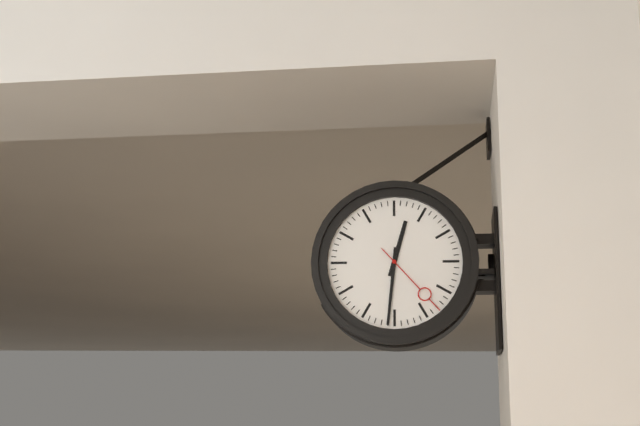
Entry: 12:31:23
